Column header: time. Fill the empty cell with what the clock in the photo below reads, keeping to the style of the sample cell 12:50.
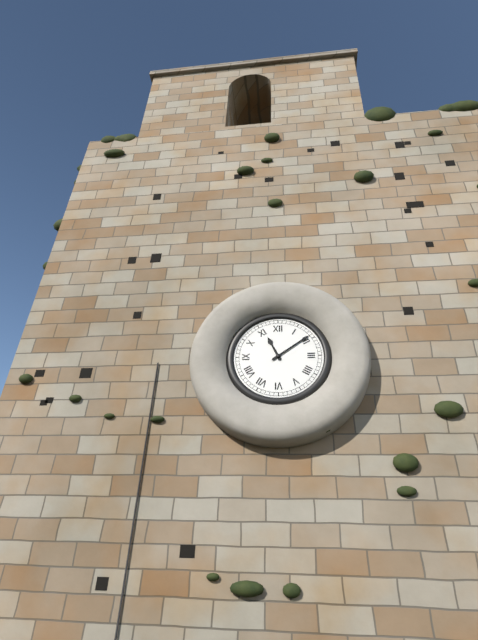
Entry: 11:09
